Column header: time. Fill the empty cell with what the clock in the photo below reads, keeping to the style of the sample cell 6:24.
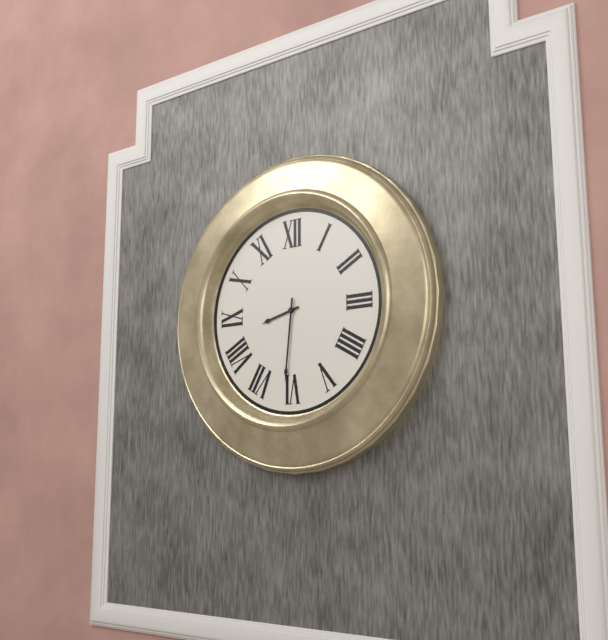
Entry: 8:31
